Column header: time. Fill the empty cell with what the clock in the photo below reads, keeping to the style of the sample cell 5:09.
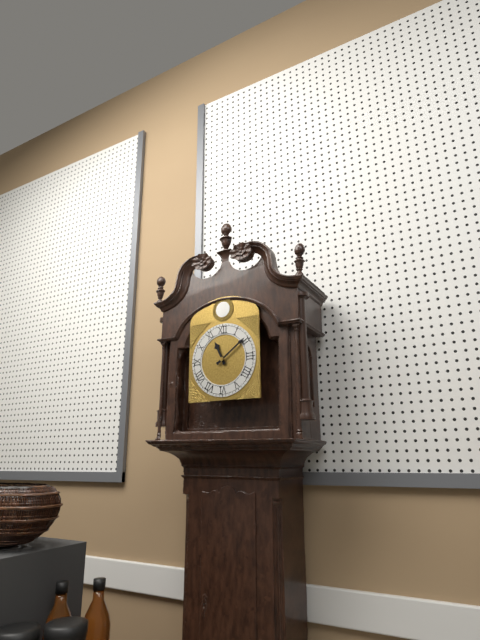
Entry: 11:09
